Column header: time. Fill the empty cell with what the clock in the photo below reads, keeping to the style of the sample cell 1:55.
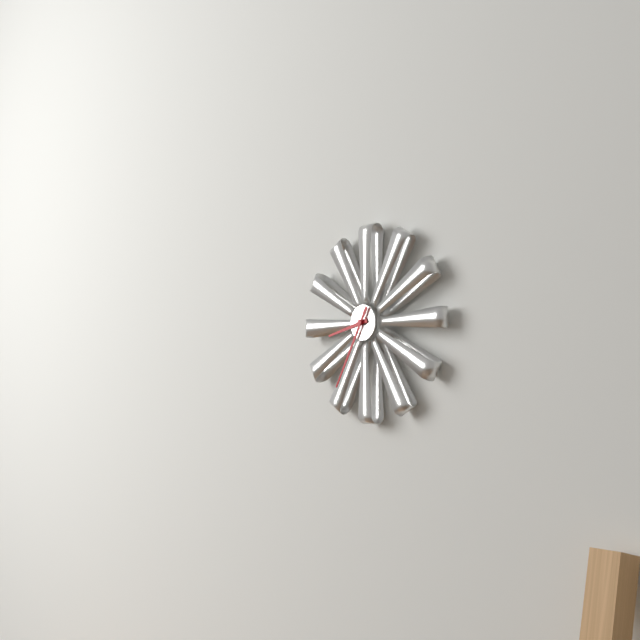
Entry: 8:35
